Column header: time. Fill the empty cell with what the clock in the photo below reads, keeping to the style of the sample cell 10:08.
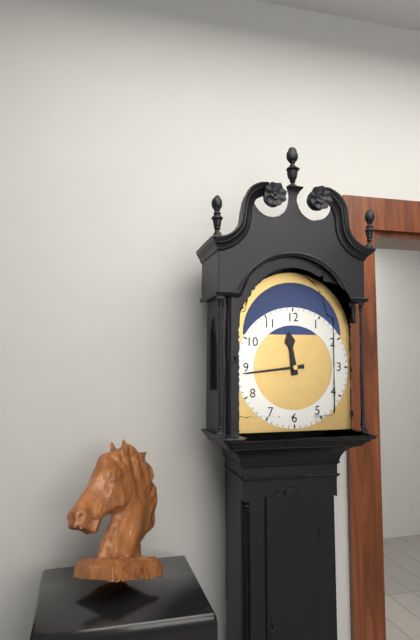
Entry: 11:44
